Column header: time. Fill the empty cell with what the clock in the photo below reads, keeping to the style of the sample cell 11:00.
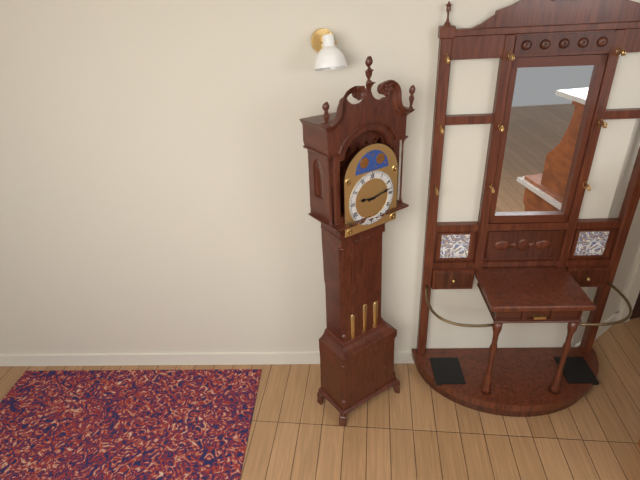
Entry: 9:13
